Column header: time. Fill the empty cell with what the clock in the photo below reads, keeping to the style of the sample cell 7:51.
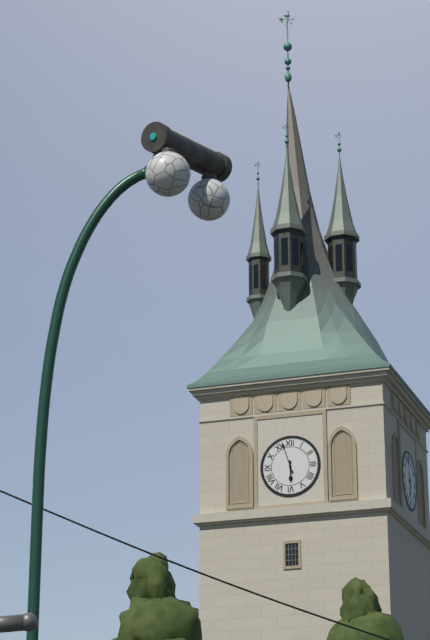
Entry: 5:57
